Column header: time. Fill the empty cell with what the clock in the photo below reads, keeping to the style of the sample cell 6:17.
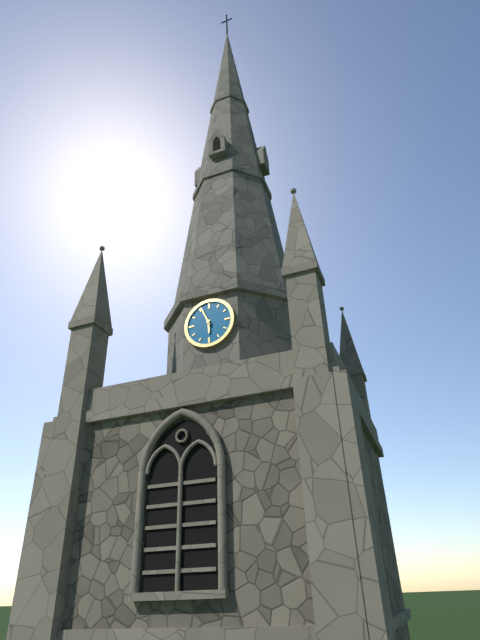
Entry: 5:56
